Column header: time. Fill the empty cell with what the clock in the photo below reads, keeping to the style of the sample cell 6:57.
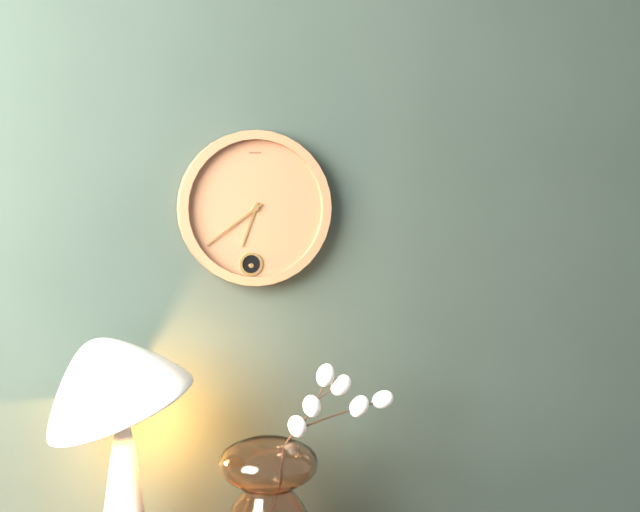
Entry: 6:39
